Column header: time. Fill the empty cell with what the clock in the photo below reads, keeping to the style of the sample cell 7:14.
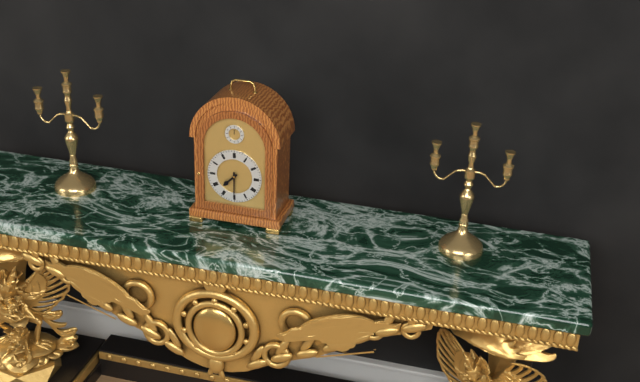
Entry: 7:30
